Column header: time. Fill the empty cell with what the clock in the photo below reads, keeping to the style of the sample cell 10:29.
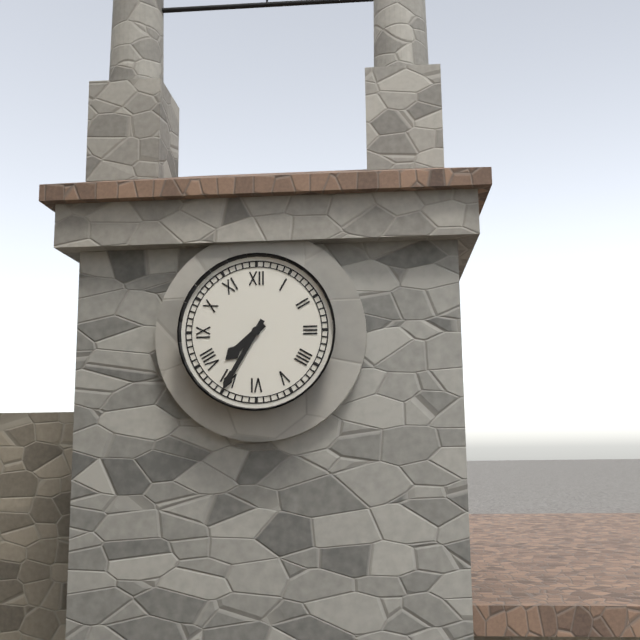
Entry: 7:35
